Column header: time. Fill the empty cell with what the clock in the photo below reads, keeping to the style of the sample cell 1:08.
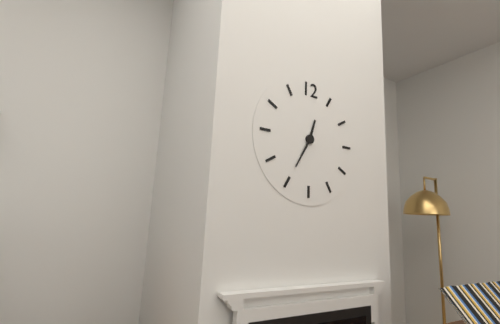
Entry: 12:35
